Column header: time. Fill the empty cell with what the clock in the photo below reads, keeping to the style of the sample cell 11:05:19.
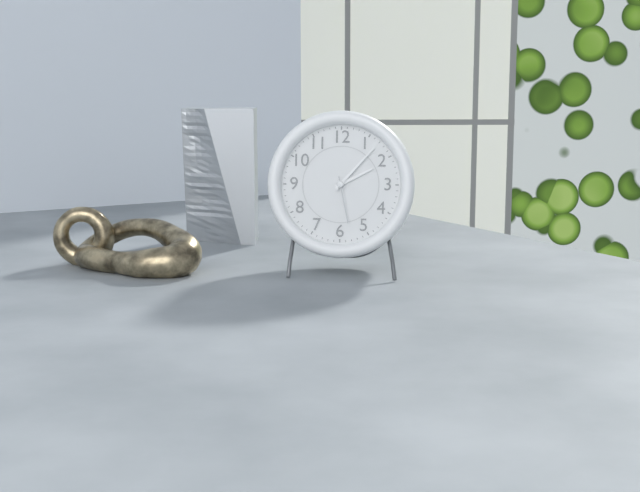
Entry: 2:07:28
